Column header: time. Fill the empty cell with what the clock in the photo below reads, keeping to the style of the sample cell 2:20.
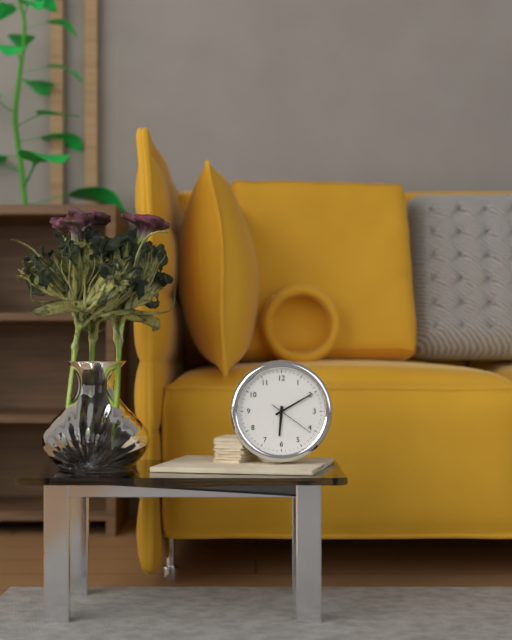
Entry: 6:10
